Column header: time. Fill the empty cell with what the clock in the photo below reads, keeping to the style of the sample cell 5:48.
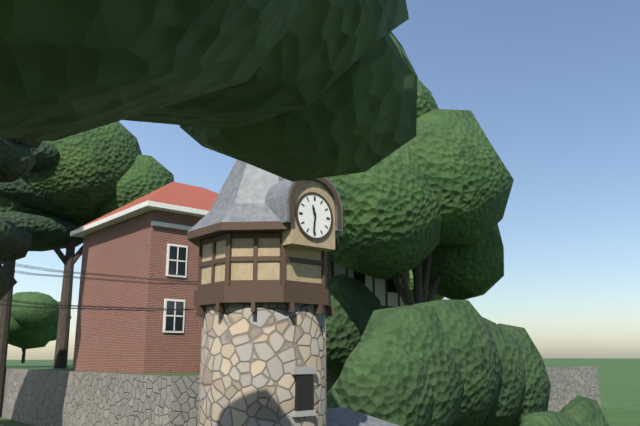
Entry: 11:31
